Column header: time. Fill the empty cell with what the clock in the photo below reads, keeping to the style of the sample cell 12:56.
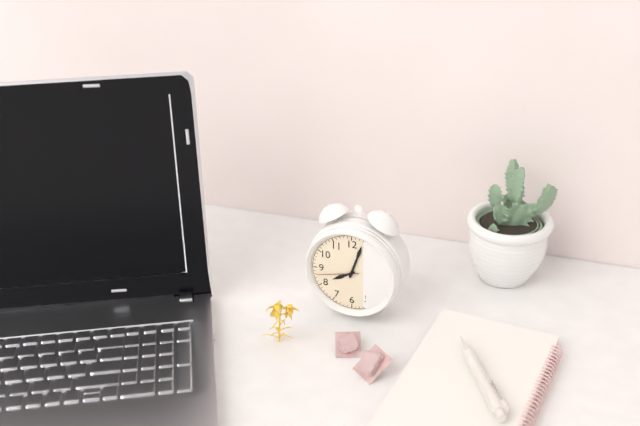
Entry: 8:03
